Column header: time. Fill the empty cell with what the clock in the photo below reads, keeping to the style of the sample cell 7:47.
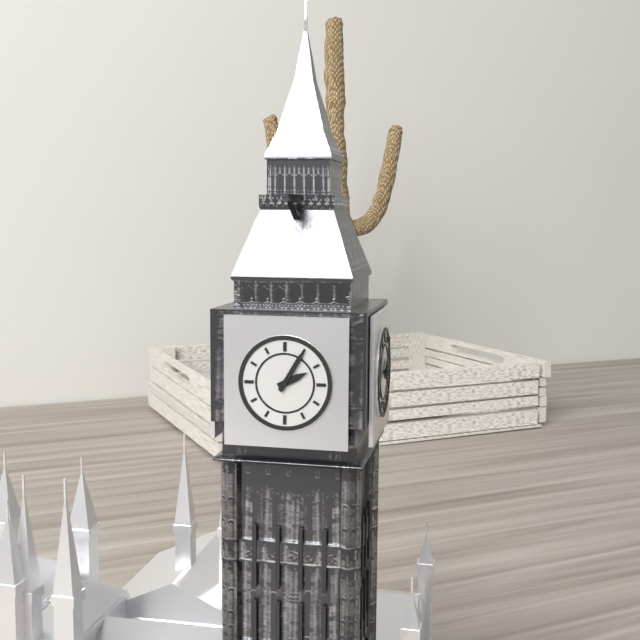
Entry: 2:05
